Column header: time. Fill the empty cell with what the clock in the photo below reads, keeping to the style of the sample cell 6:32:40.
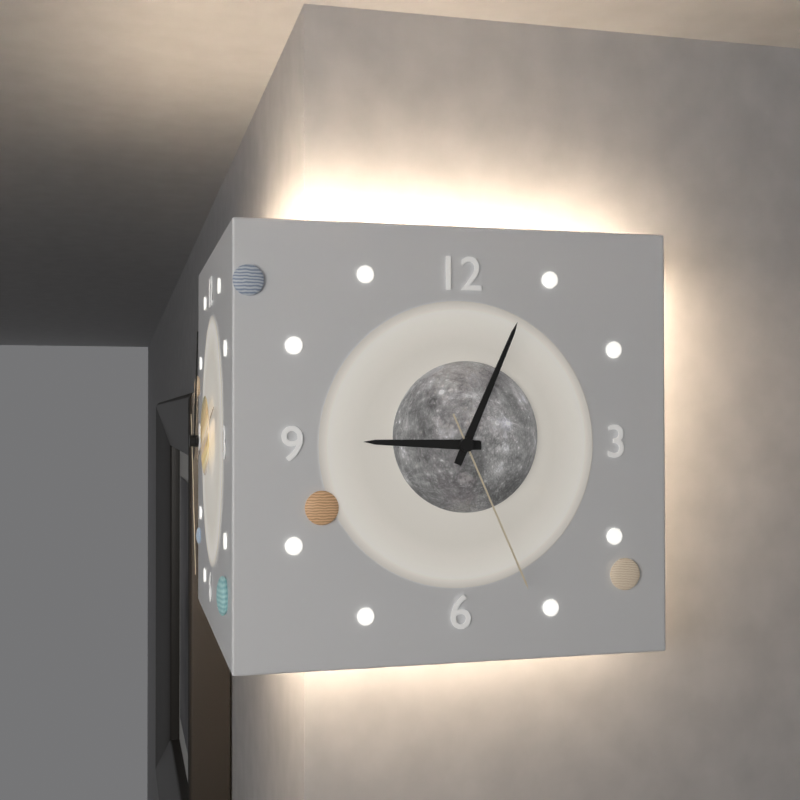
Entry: 9:04:26
